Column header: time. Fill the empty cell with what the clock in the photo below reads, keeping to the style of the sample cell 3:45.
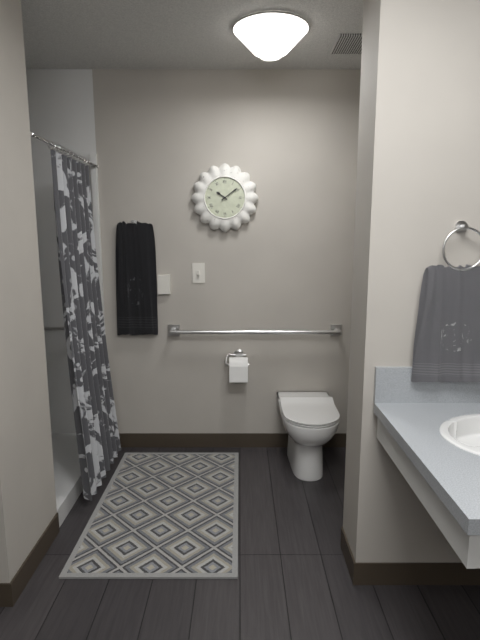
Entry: 10:09
